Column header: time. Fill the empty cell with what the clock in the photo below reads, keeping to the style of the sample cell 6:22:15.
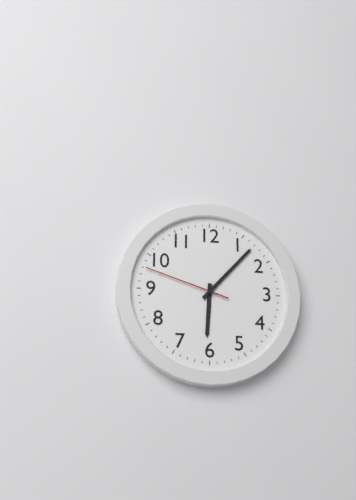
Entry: 6:07:48
